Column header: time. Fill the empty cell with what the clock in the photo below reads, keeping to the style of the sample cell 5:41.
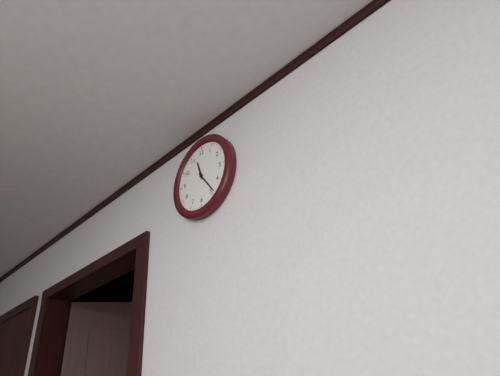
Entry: 11:24
